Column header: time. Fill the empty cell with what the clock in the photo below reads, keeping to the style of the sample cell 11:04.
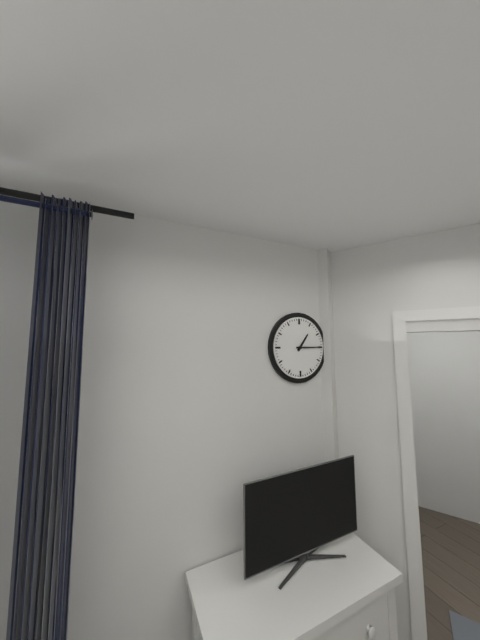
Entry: 1:15
